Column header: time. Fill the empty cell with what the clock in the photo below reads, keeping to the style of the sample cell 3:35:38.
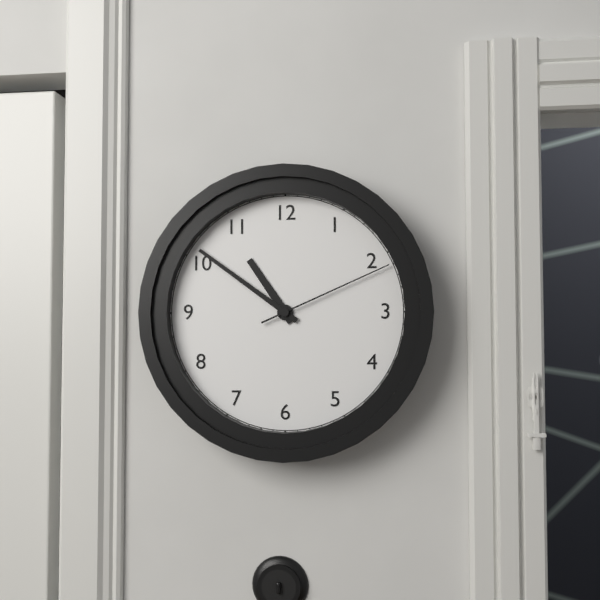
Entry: 10:51:11
